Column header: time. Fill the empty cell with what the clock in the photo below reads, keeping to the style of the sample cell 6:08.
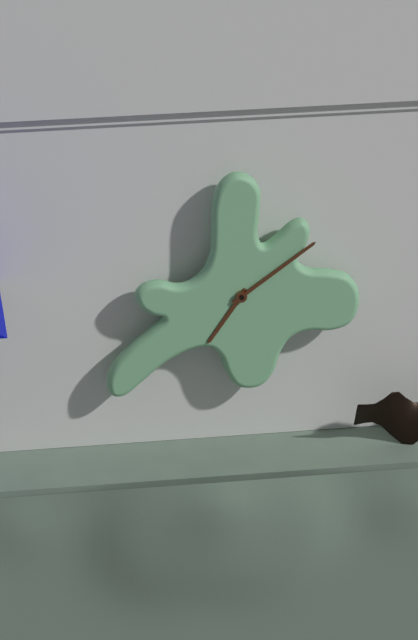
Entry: 7:09
